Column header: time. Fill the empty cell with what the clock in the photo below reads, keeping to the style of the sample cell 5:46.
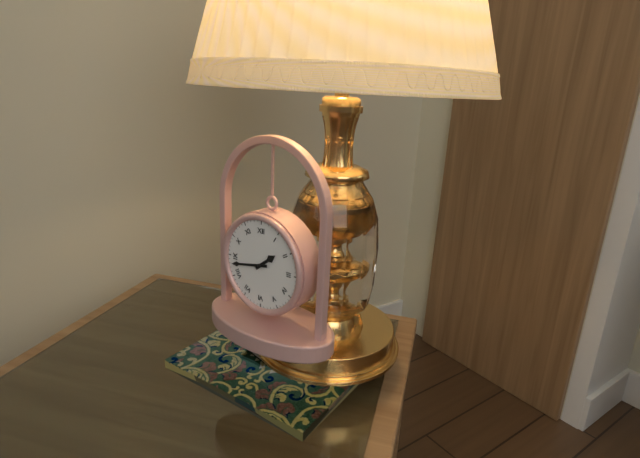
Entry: 1:43
